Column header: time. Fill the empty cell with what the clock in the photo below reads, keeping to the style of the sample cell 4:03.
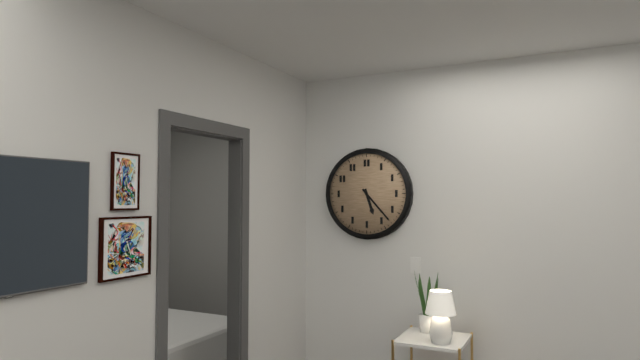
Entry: 5:23
